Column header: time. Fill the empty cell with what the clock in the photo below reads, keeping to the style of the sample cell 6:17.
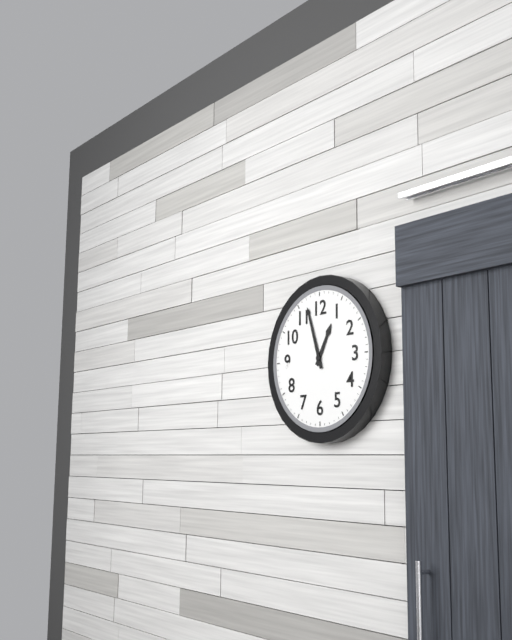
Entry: 12:57
